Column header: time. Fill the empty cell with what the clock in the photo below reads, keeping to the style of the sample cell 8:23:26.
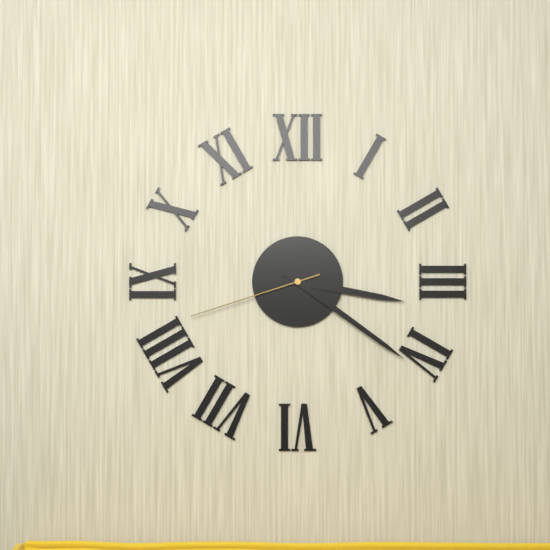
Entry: 3:21:42
